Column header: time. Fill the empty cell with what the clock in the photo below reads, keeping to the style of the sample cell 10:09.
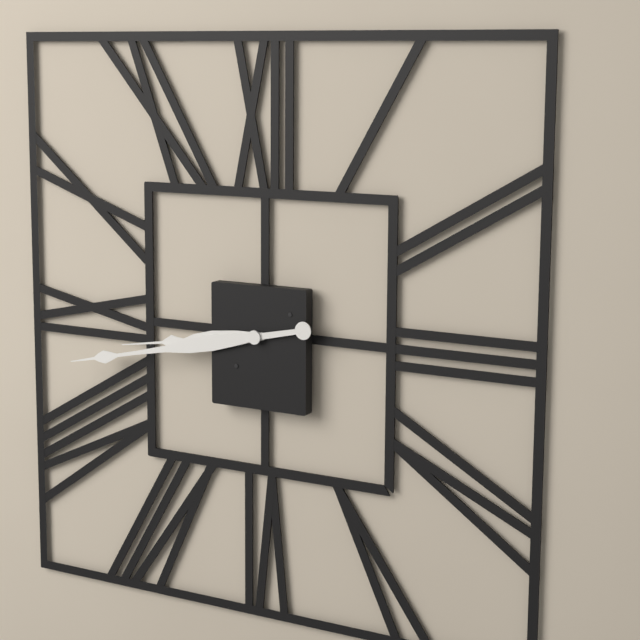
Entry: 8:43
